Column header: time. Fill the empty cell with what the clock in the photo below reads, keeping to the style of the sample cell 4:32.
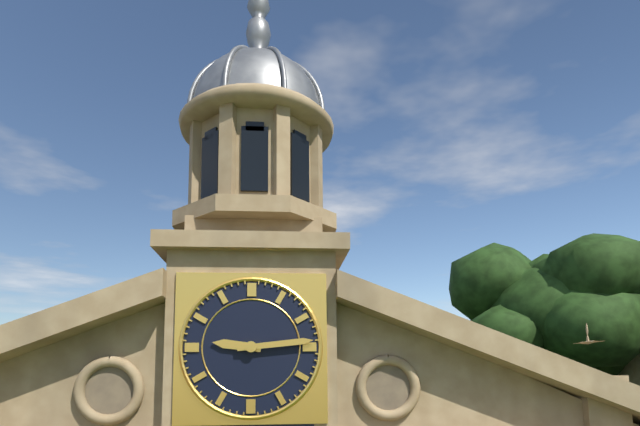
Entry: 9:14
